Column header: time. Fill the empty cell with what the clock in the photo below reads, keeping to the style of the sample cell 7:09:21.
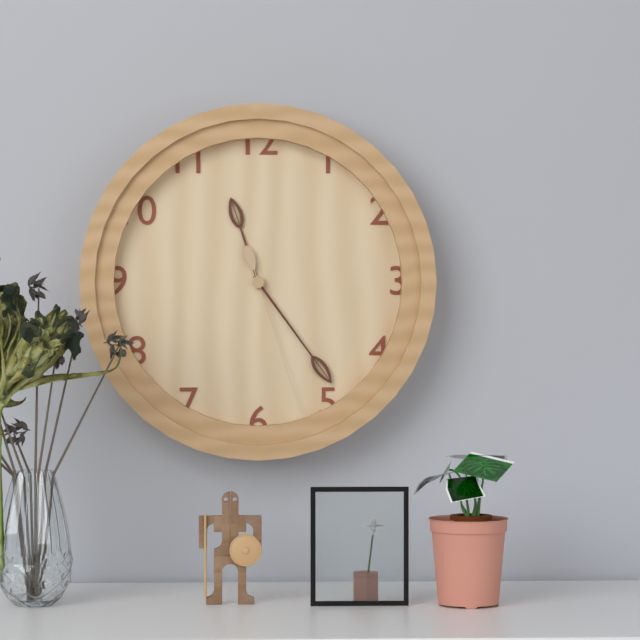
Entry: 11:24:27
